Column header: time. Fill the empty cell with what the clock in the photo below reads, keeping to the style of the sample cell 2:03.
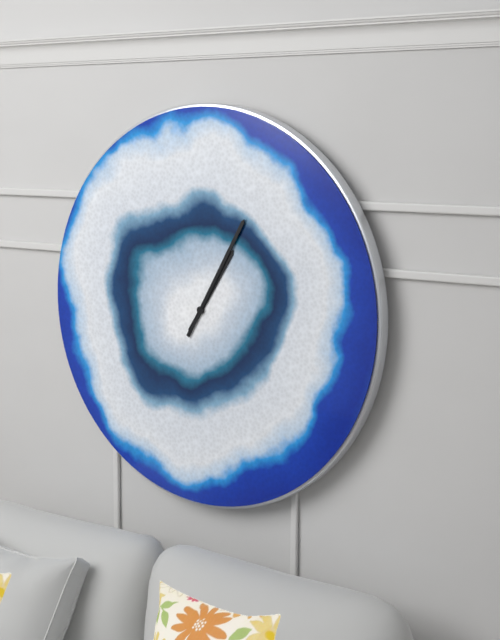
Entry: 1:05
